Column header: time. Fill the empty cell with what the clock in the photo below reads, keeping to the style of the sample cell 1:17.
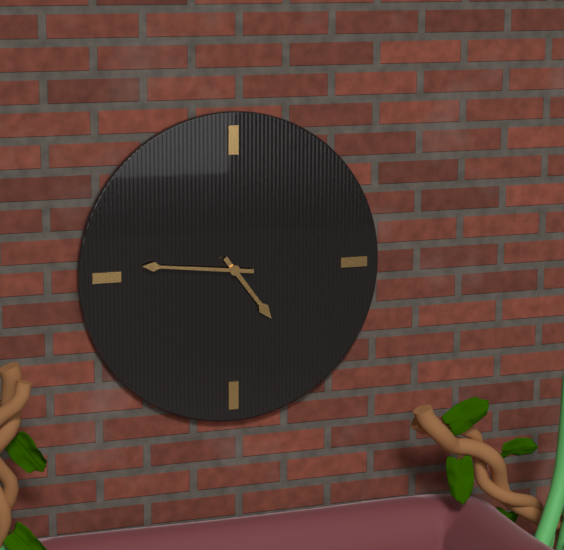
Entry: 4:46
